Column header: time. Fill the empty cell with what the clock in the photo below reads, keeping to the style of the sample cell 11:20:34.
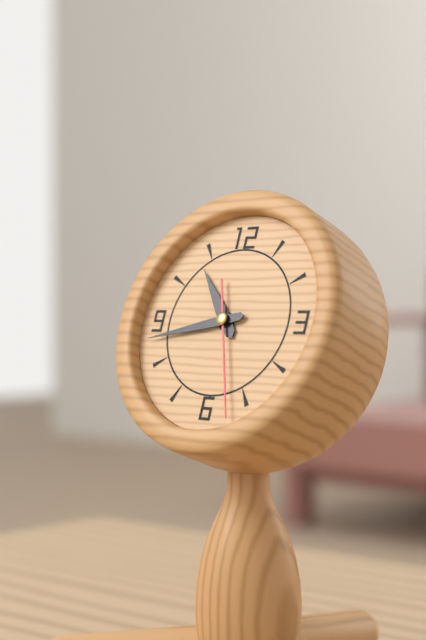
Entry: 10:43:27
